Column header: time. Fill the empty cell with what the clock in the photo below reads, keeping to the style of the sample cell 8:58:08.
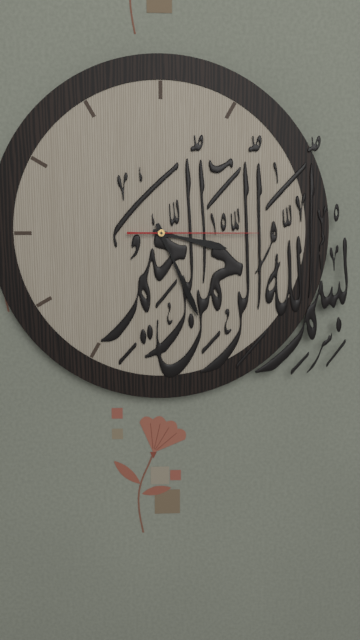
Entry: 3:26:15
